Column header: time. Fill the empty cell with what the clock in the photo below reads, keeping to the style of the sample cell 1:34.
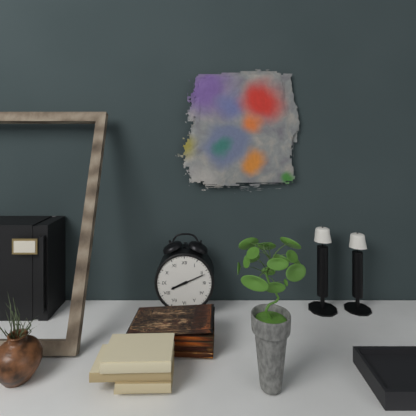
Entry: 8:11
